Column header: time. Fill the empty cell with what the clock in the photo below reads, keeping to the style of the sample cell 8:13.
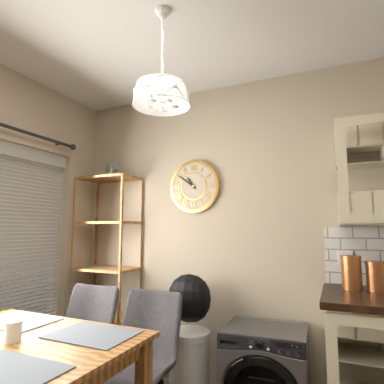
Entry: 10:51
